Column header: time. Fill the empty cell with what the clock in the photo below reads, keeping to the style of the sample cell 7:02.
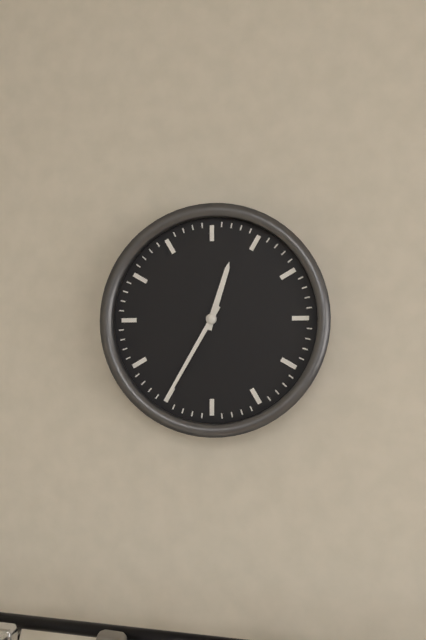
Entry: 12:35
